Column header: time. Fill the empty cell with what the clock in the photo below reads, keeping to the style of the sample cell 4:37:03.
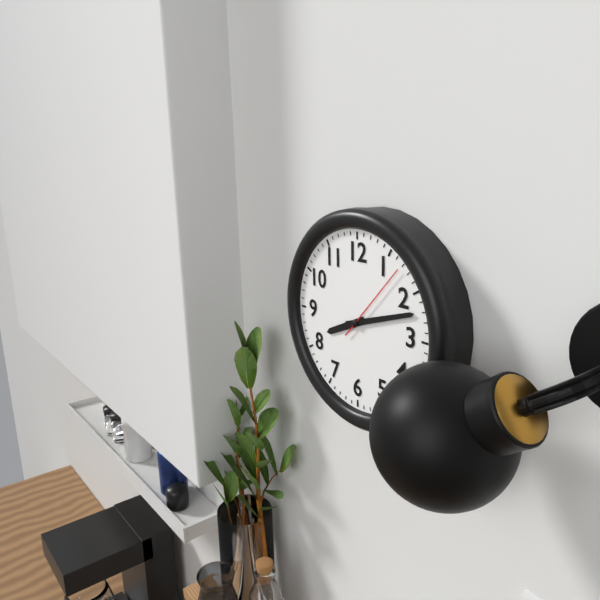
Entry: 8:12:07
